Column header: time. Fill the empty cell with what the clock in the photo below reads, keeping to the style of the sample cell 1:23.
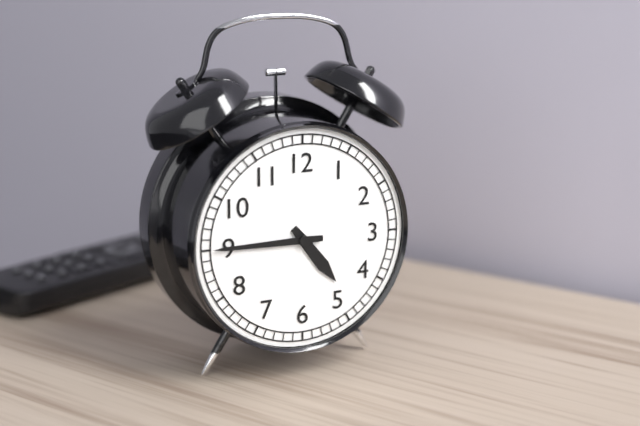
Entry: 4:45
